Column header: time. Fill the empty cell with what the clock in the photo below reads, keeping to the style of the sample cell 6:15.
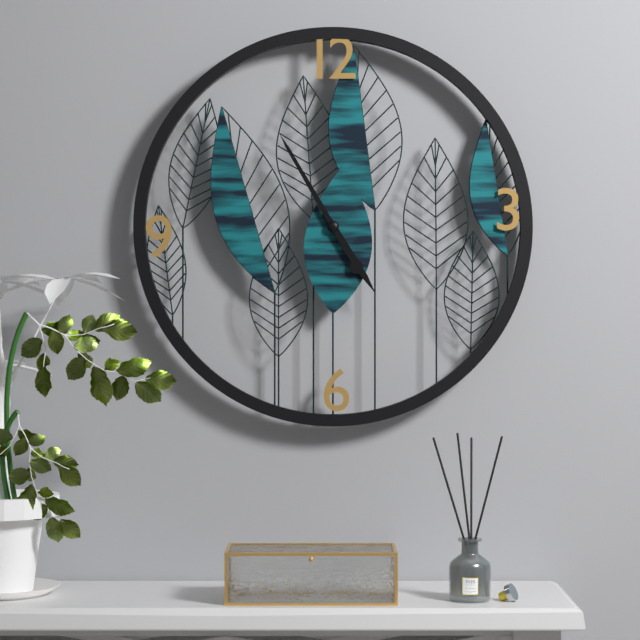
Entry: 4:55
